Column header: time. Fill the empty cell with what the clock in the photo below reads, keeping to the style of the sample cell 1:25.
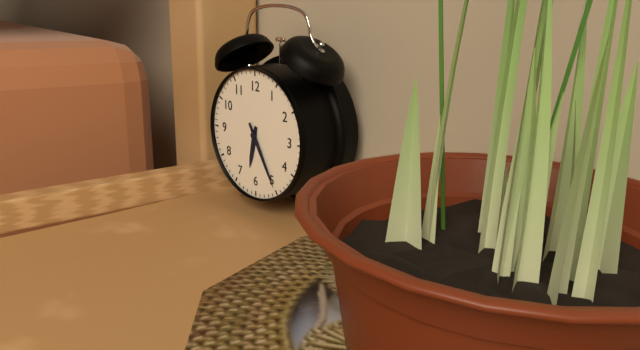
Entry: 6:25
